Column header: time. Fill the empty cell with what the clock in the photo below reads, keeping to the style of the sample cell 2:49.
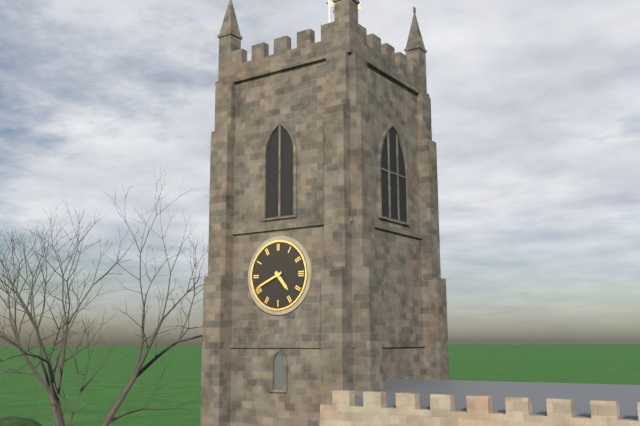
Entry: 4:41
